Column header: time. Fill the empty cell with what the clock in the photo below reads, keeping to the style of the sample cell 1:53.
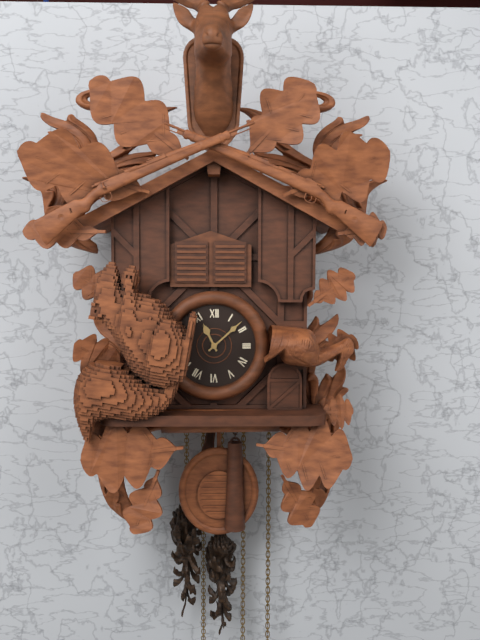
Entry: 11:08
